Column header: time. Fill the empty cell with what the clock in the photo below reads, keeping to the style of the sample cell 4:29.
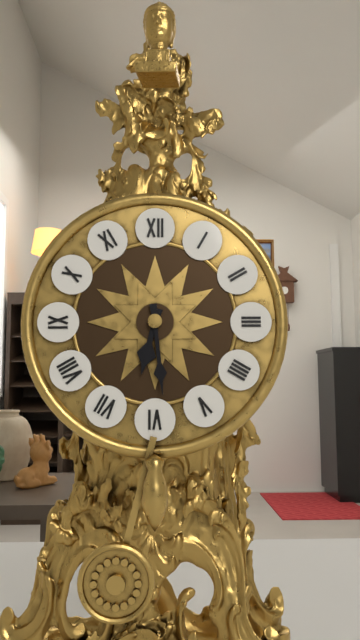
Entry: 6:29
